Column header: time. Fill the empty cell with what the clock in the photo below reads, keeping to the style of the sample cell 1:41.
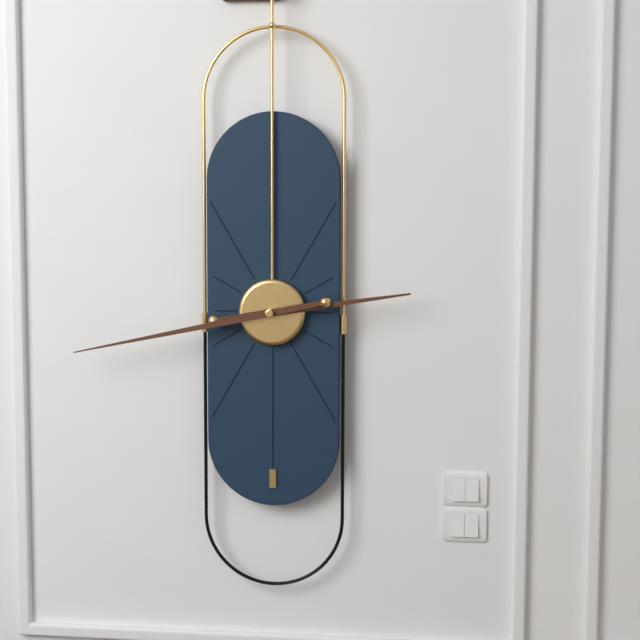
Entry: 2:43
